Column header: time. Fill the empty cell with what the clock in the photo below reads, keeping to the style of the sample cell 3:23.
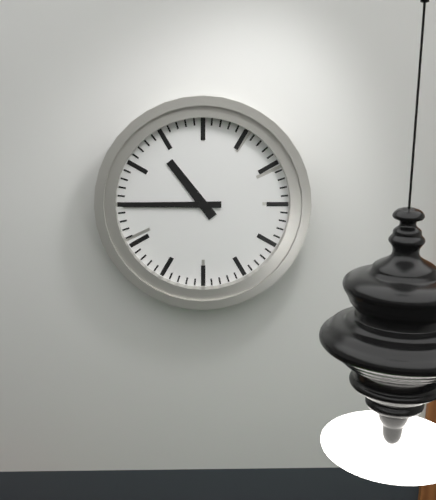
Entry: 10:45
